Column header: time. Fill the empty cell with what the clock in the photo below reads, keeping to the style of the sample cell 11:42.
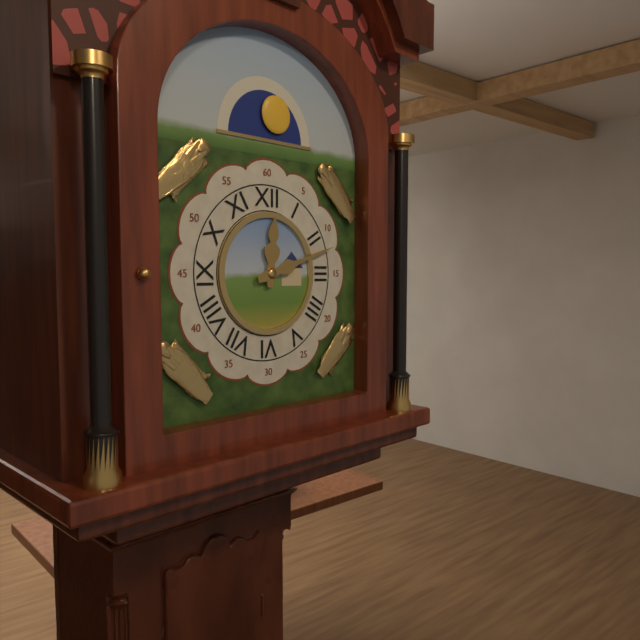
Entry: 12:12
